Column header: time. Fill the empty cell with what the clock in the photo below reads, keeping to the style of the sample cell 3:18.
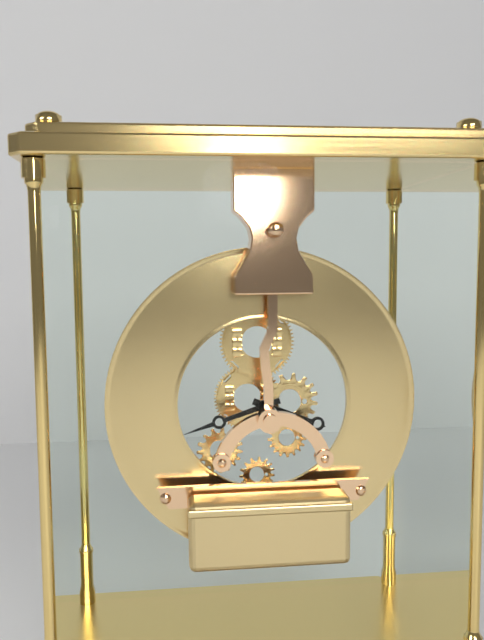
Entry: 3:42
